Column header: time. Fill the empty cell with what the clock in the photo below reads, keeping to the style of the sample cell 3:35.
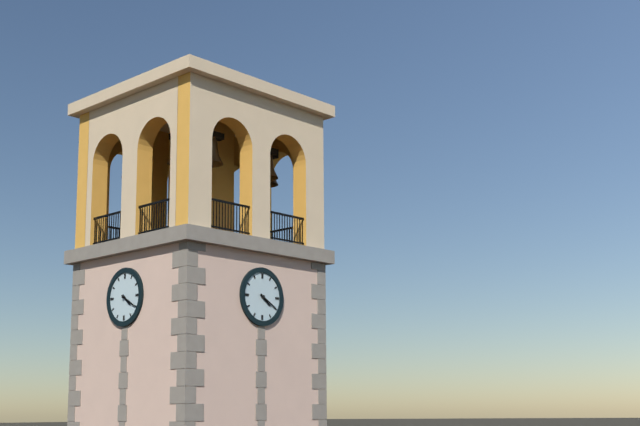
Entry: 4:20
